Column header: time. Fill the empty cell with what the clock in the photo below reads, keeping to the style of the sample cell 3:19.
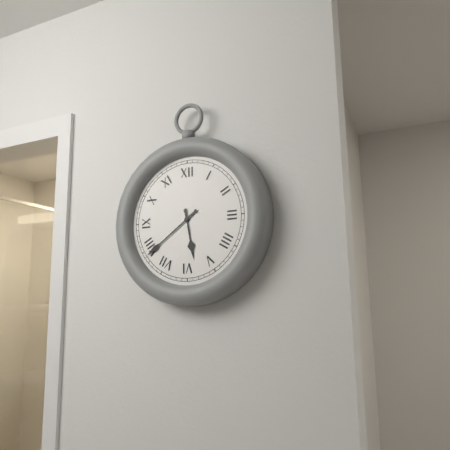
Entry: 5:39
